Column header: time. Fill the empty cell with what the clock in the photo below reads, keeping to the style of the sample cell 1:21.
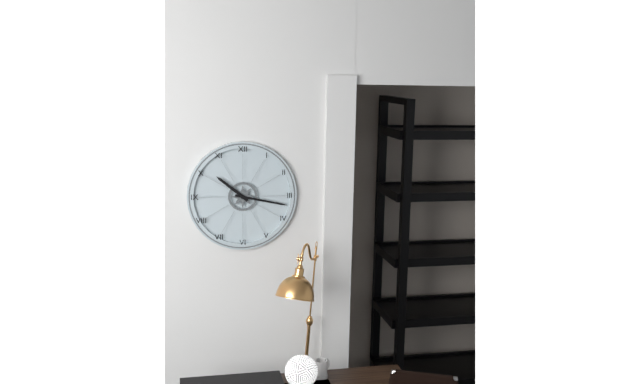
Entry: 10:17
